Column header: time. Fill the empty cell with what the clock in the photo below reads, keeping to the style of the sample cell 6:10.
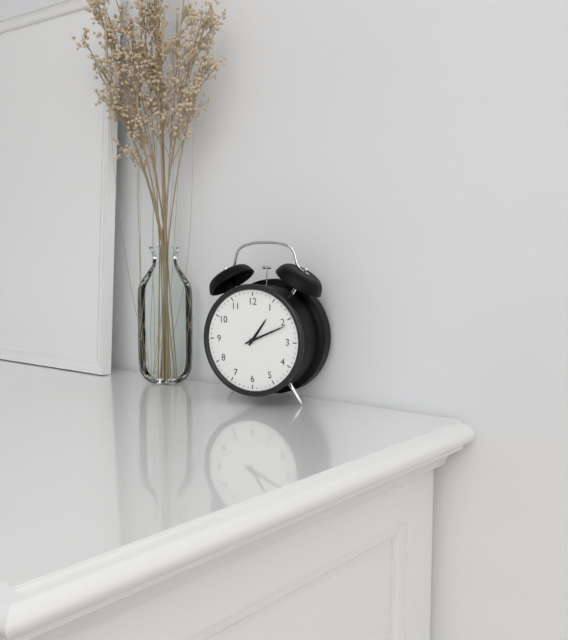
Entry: 1:11
